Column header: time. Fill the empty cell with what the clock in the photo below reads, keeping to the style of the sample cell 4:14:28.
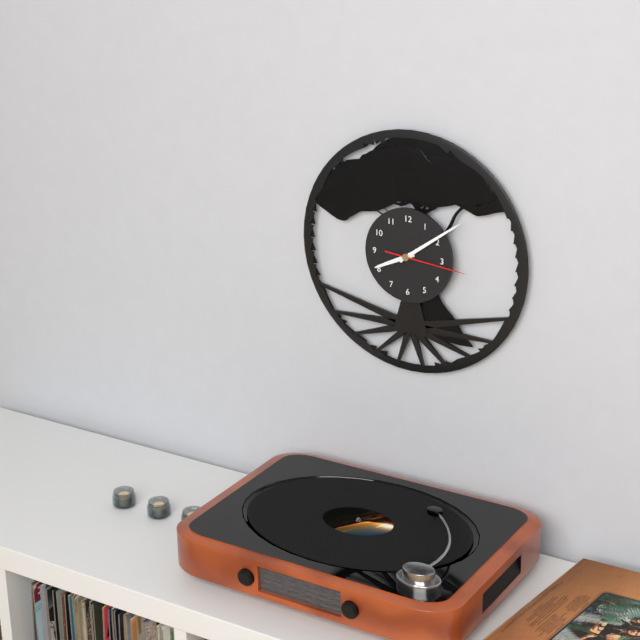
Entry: 8:09:16
